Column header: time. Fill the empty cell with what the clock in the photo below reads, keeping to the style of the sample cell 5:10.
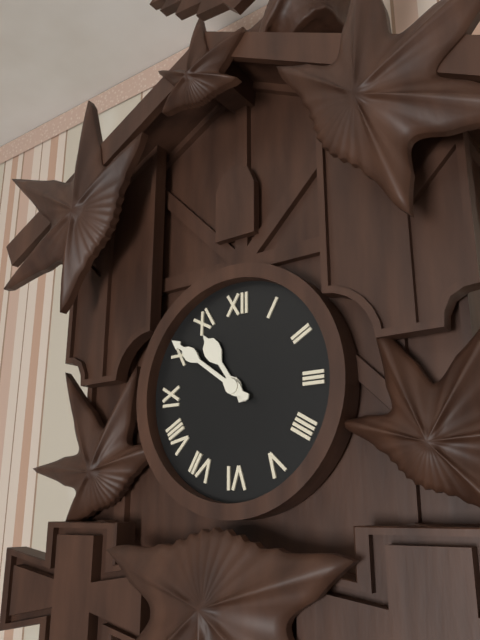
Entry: 10:51
